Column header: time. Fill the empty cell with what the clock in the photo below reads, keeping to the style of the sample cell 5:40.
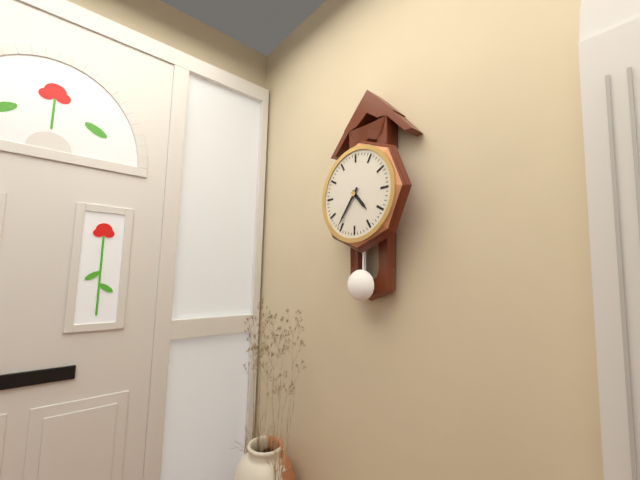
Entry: 4:36
